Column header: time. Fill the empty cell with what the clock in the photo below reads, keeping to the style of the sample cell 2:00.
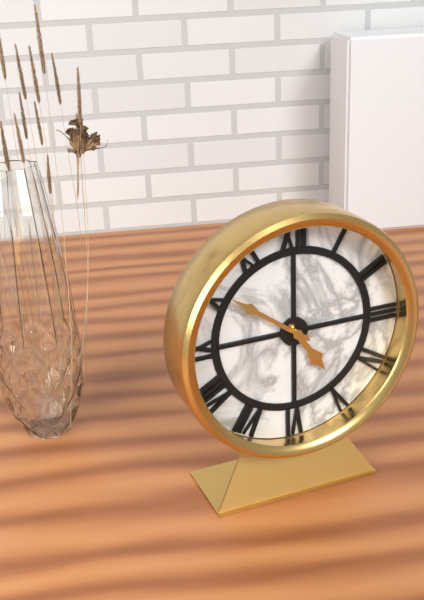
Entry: 4:51
